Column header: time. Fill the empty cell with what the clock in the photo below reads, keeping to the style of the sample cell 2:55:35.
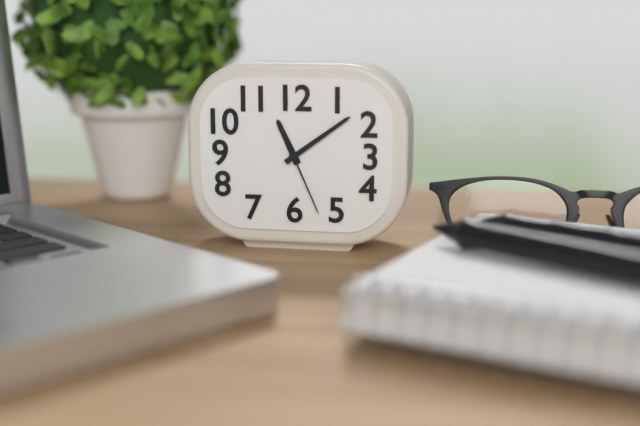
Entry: 11:09:26
